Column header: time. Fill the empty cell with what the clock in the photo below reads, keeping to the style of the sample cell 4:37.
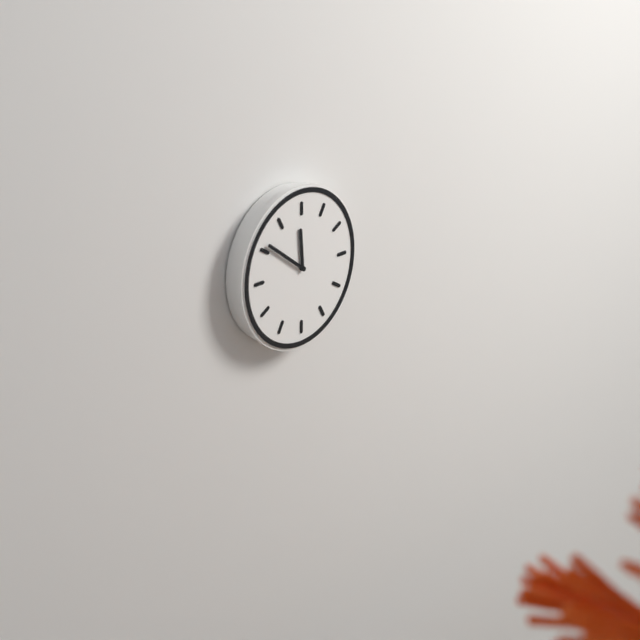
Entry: 11:51
